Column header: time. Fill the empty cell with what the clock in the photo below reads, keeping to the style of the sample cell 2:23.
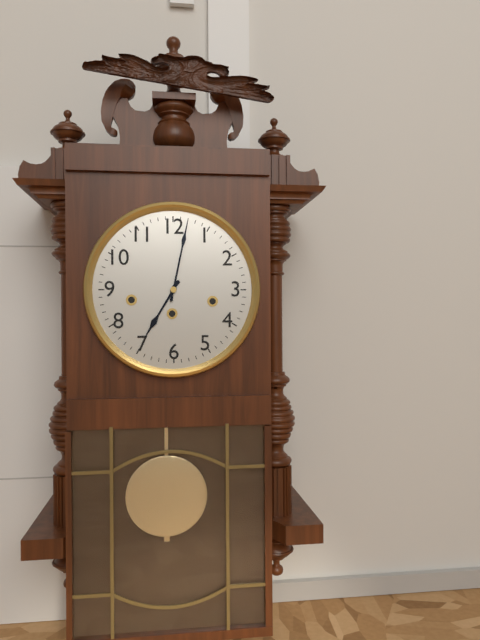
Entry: 7:02
